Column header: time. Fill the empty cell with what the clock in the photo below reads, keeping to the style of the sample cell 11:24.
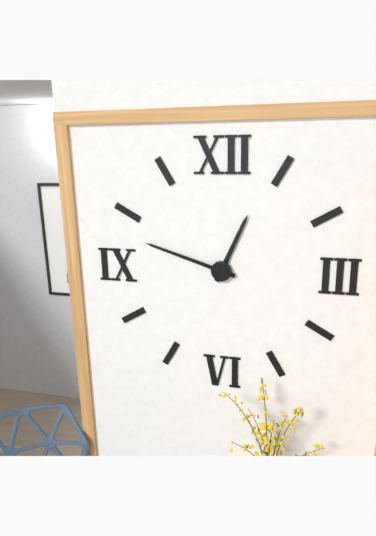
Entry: 12:48
